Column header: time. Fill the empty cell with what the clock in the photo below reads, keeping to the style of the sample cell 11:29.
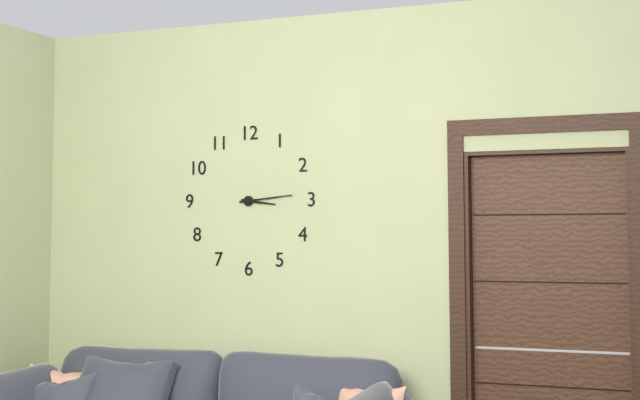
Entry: 3:14
